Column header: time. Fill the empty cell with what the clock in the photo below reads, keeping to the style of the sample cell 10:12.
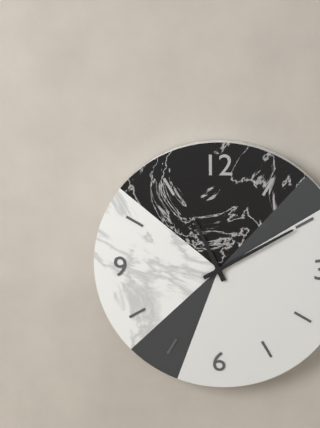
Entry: 11:10
